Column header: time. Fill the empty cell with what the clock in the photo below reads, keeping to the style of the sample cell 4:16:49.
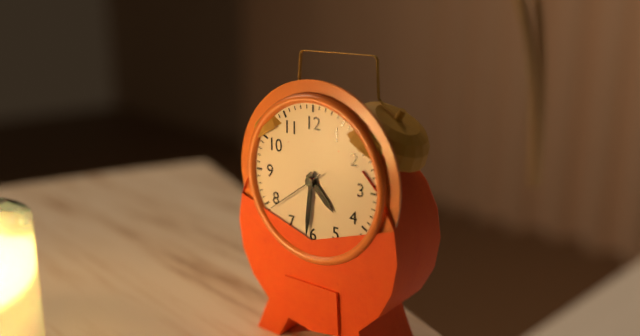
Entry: 4:31:39
